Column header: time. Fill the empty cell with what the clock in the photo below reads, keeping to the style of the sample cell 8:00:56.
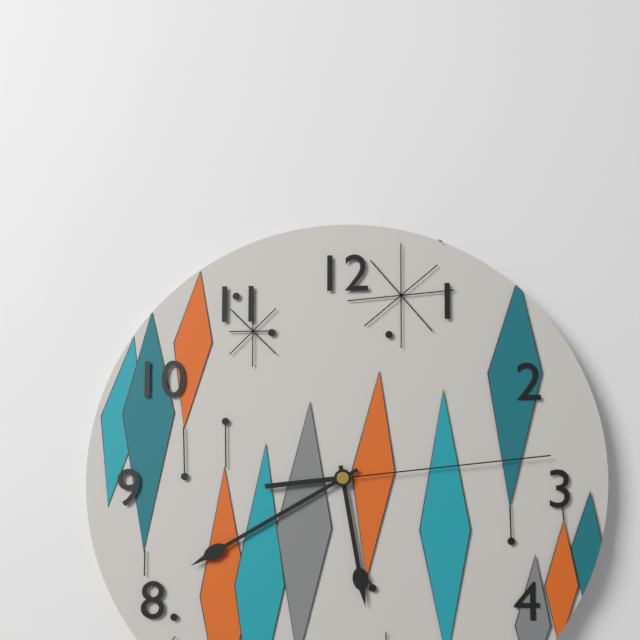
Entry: 5:40:14
